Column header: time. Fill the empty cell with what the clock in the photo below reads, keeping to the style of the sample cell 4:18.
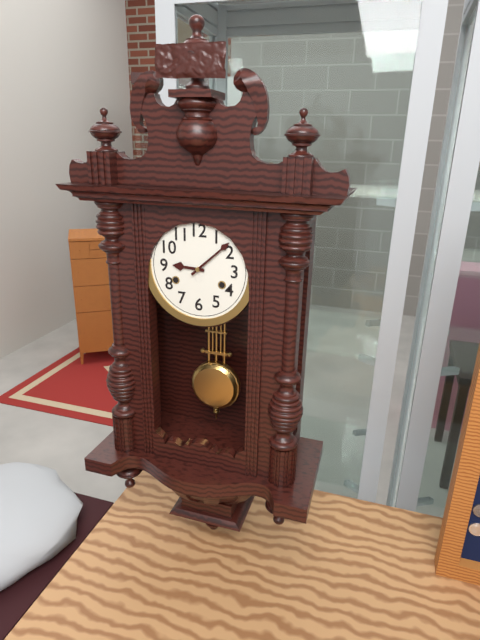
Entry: 9:08
